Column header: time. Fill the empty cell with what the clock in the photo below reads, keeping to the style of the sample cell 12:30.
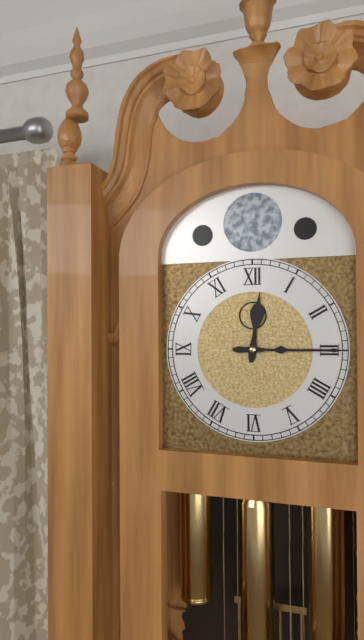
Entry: 12:15
